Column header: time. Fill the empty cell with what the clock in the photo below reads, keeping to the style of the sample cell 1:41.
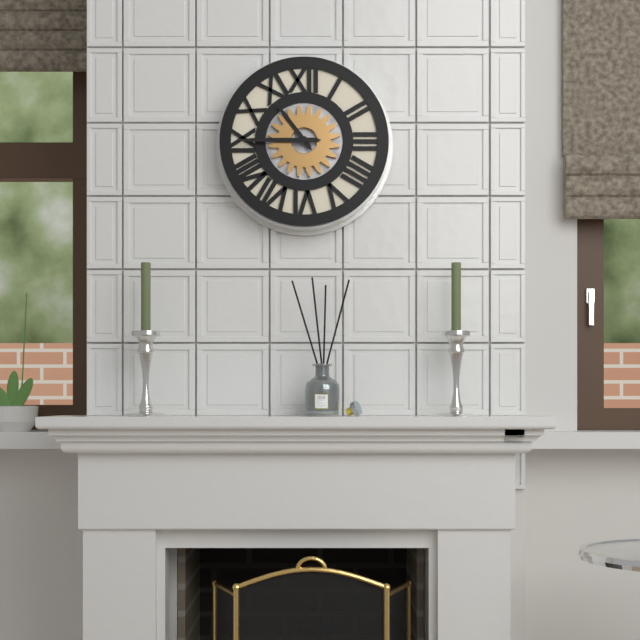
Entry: 10:45
